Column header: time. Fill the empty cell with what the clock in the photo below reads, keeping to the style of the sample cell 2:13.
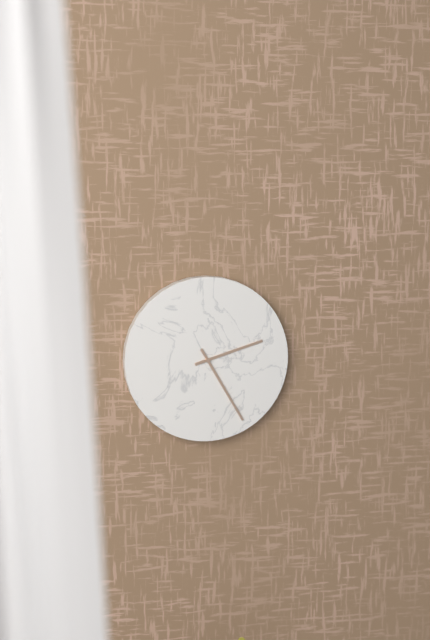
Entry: 2:25
